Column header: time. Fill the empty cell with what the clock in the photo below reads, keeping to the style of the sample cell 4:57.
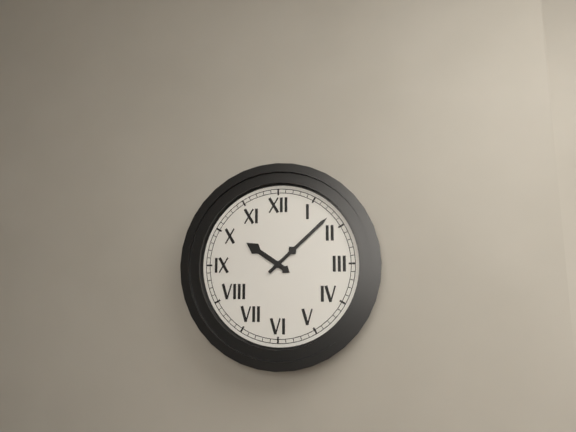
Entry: 10:08
